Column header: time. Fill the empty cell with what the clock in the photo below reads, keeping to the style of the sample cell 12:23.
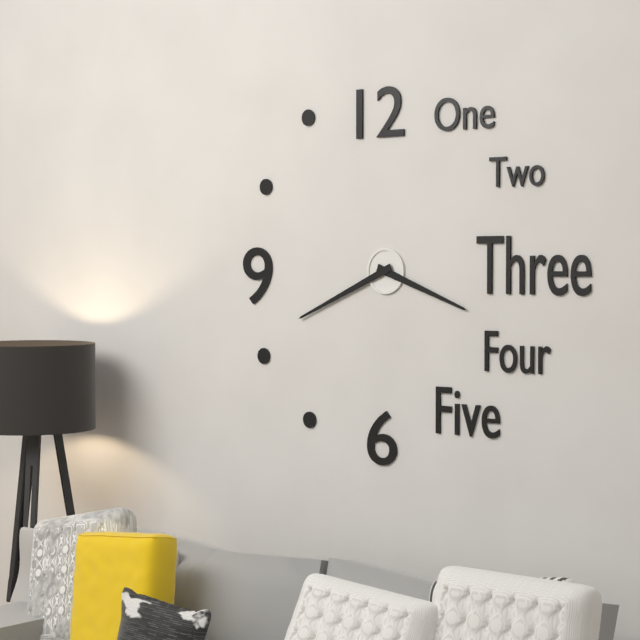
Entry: 3:41
